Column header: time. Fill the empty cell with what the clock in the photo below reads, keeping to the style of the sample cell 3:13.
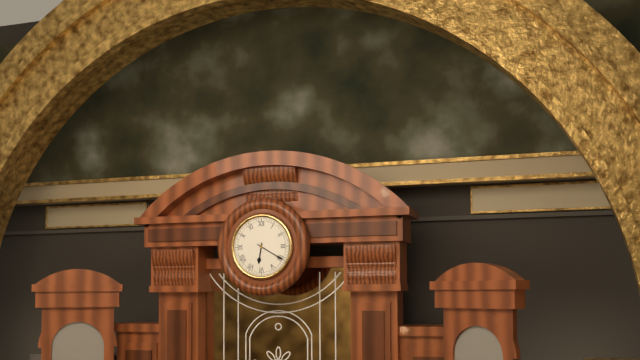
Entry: 6:20
